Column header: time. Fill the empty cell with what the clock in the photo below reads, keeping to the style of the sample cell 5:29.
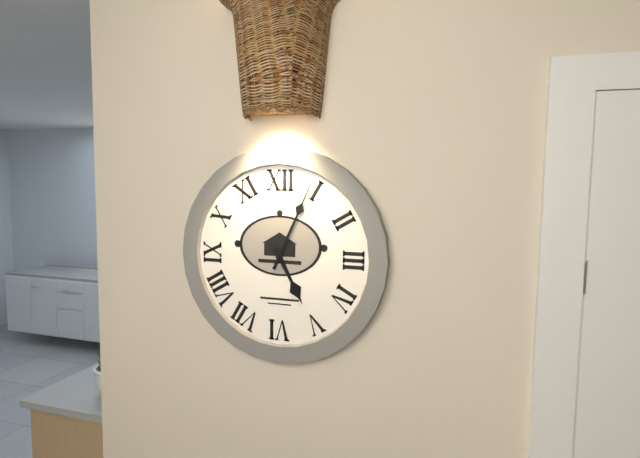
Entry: 5:04
